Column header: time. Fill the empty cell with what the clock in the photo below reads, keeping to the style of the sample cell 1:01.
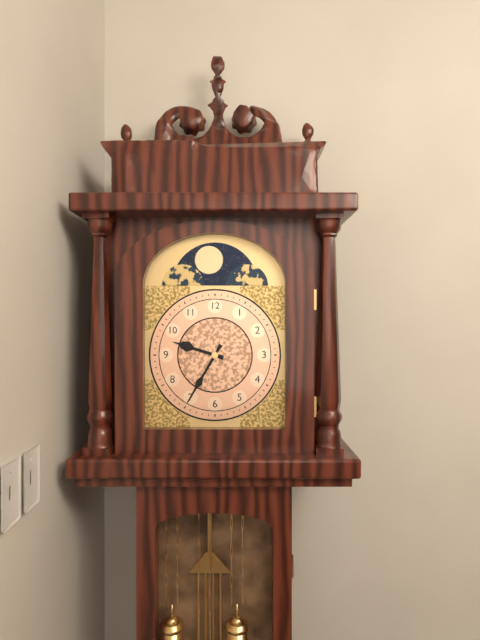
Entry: 9:35
